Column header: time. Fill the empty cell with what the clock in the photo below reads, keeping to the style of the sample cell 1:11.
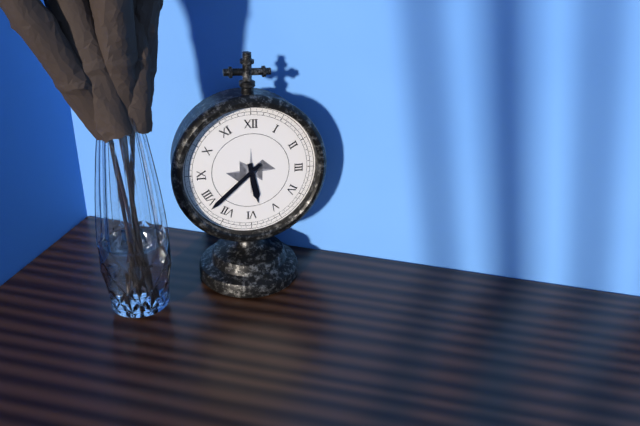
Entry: 5:38
